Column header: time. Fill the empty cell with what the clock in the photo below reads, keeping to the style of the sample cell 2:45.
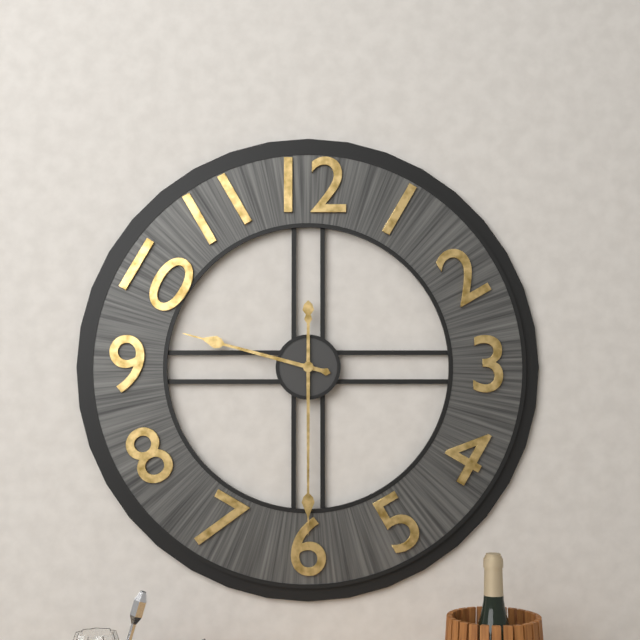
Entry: 9:30
